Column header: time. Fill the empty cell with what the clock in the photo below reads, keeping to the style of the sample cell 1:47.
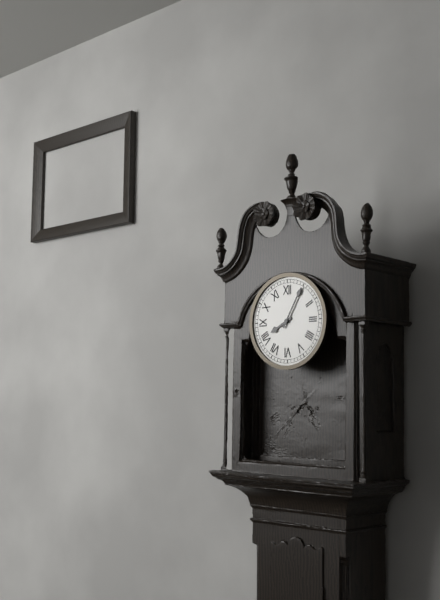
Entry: 8:05
